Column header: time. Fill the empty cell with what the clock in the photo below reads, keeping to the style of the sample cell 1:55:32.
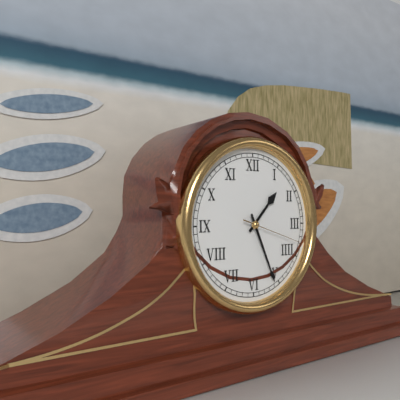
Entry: 1:26:18
